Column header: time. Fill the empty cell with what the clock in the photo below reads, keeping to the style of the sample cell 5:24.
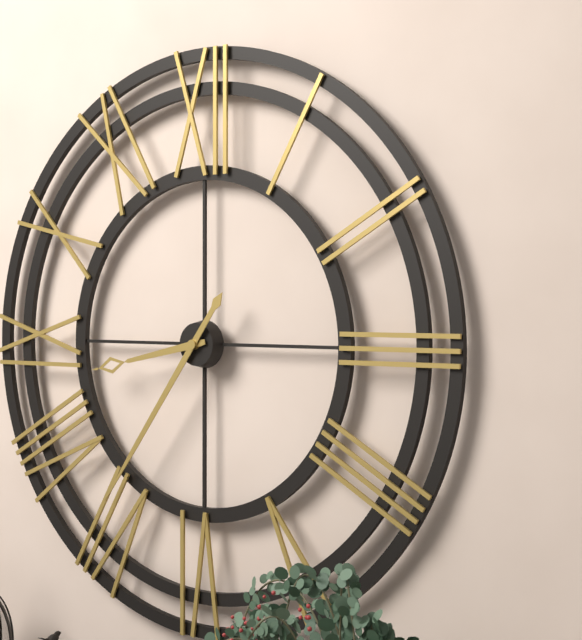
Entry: 8:36
